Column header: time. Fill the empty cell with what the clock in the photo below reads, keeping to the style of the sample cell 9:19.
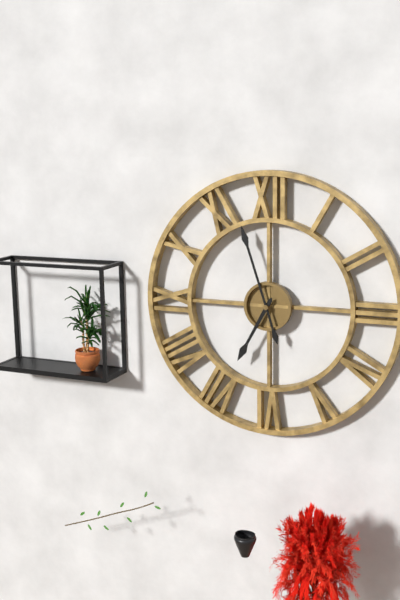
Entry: 6:57
